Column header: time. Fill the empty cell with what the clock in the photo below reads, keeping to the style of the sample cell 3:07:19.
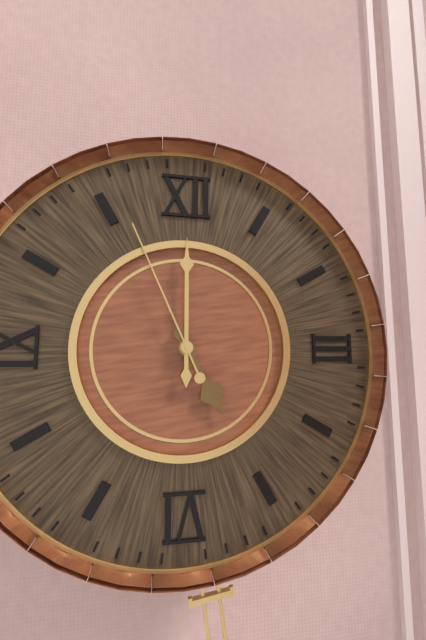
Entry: 5:00:56
